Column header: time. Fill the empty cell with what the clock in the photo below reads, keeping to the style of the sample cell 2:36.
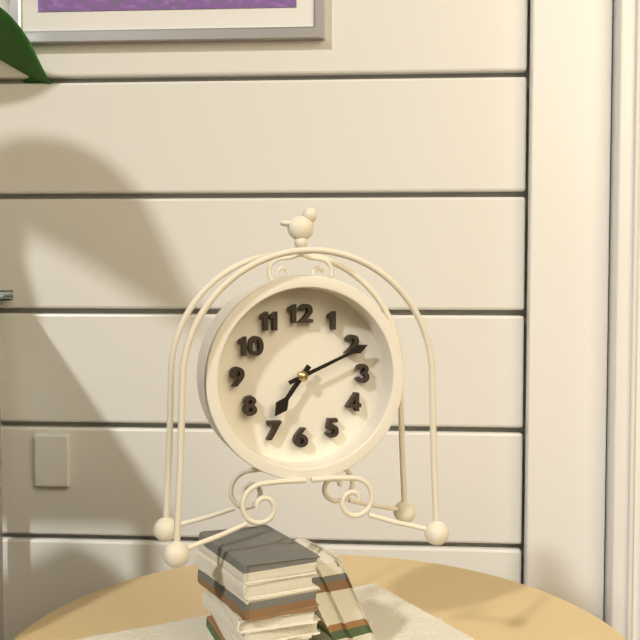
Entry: 7:11
